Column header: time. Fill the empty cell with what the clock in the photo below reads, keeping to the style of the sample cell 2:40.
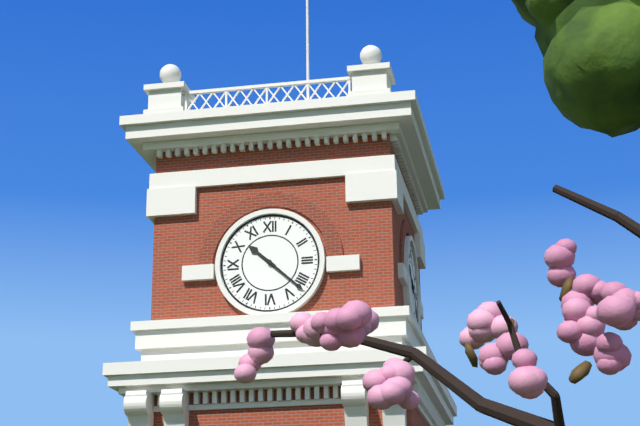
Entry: 10:22
